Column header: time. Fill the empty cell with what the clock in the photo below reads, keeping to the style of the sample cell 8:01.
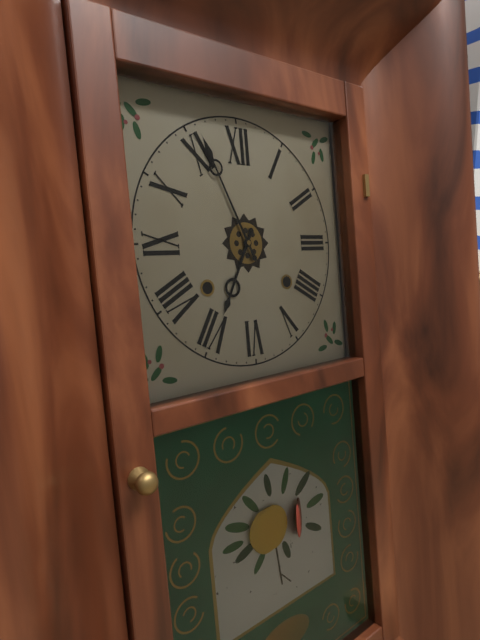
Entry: 6:56
